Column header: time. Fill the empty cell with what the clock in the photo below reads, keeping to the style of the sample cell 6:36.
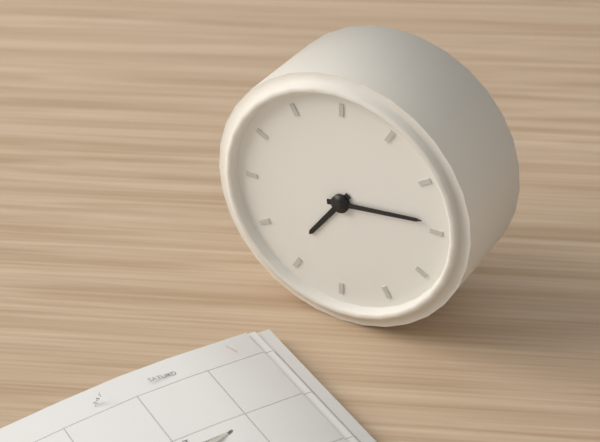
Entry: 7:14
